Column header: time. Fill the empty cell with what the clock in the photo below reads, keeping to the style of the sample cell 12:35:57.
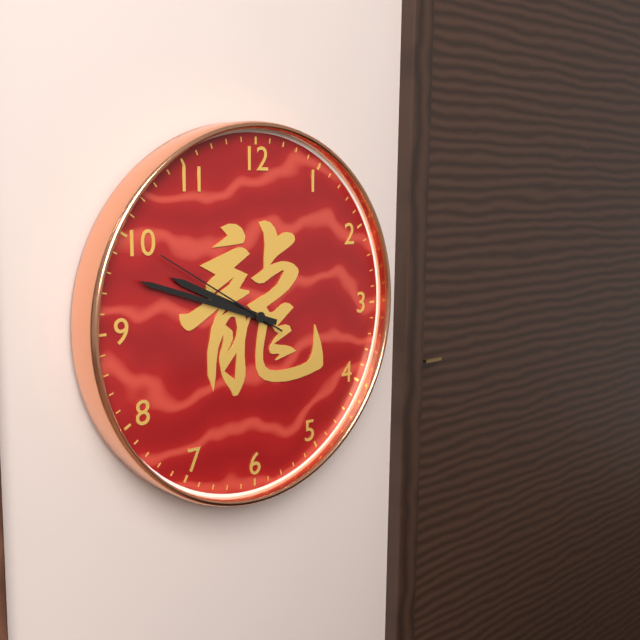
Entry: 9:48:50
